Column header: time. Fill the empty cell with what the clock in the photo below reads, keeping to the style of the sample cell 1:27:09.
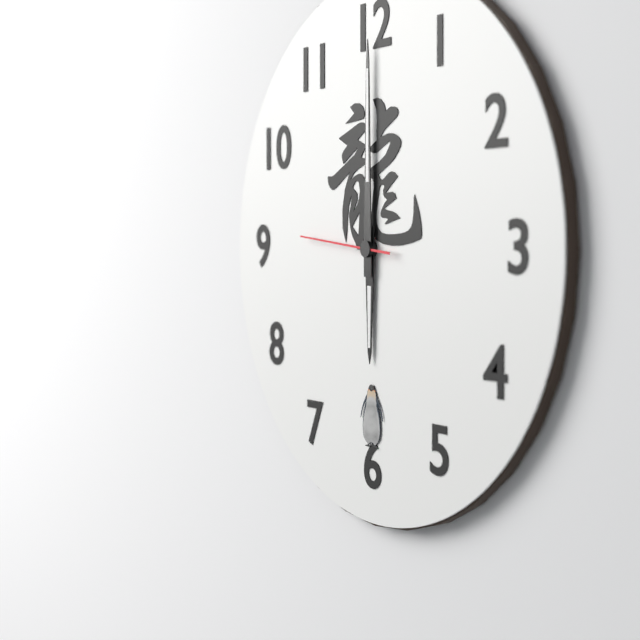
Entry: 6:00:46
